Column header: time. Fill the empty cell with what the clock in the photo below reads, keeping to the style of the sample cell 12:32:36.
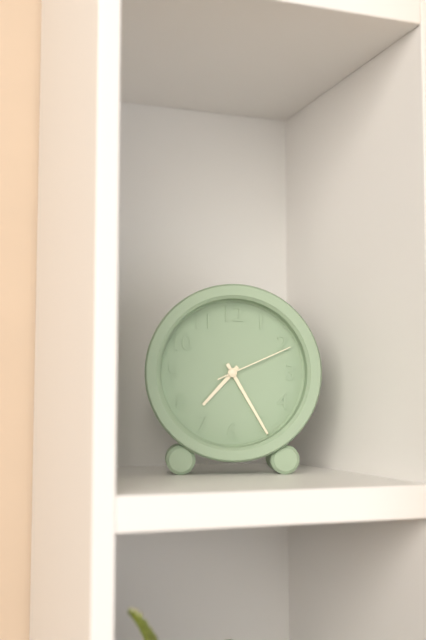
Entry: 7:25:11
